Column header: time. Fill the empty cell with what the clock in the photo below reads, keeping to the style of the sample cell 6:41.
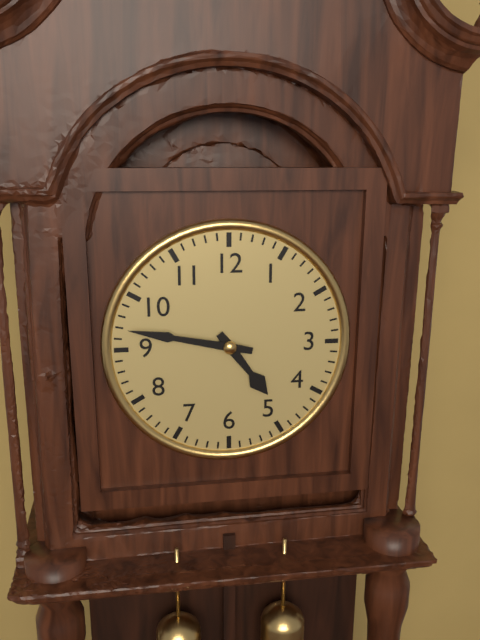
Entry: 4:47
